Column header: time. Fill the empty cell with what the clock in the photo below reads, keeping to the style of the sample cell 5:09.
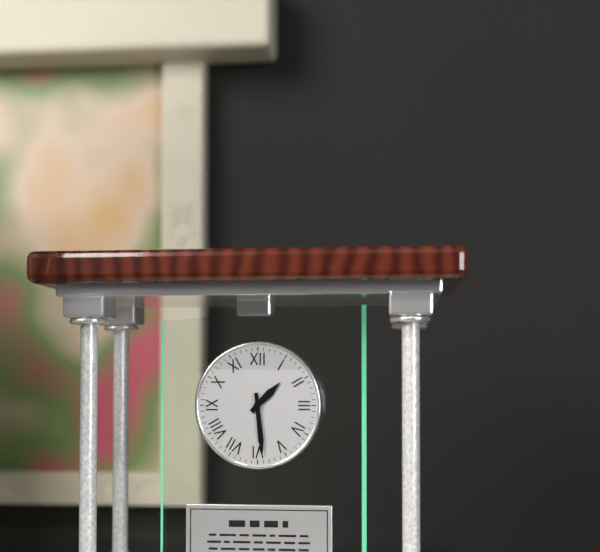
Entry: 1:29
